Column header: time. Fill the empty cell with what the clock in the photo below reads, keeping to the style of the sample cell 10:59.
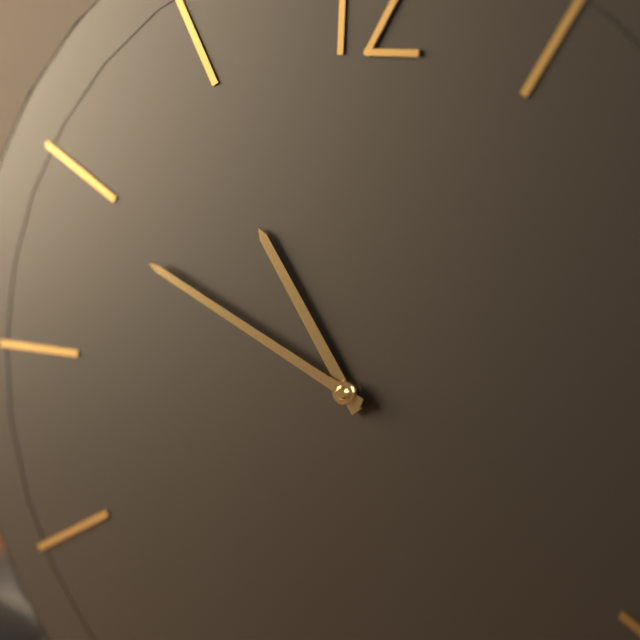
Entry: 10:49
